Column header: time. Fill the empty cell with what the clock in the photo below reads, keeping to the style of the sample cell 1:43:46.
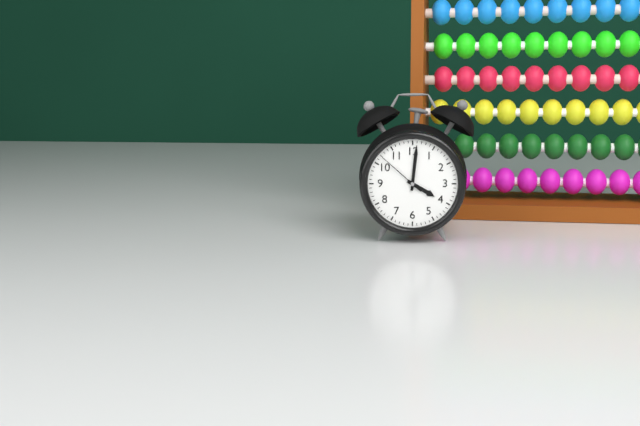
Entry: 4:01:52
